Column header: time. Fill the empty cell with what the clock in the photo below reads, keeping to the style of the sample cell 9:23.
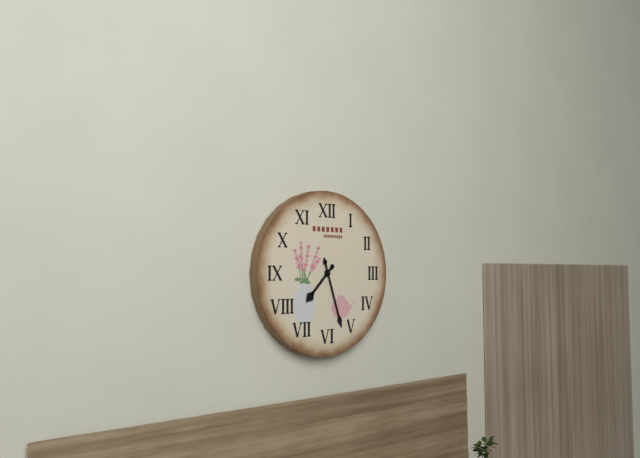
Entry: 7:27
